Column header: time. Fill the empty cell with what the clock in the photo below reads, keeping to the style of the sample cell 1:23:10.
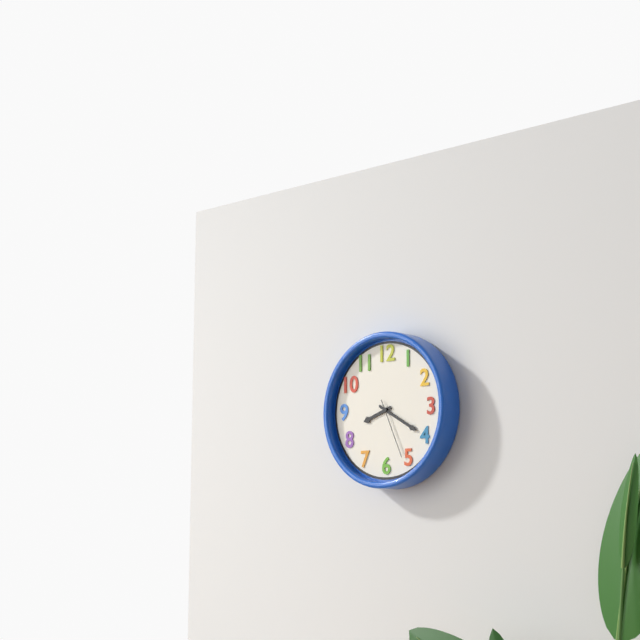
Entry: 8:20:26
